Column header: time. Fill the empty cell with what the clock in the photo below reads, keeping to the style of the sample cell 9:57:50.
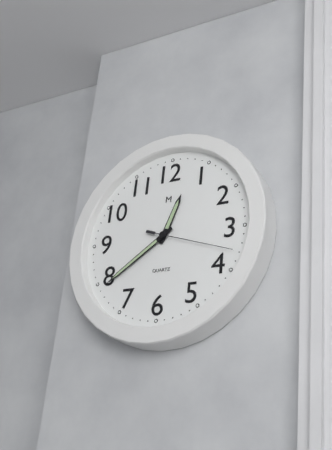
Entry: 12:39:18
